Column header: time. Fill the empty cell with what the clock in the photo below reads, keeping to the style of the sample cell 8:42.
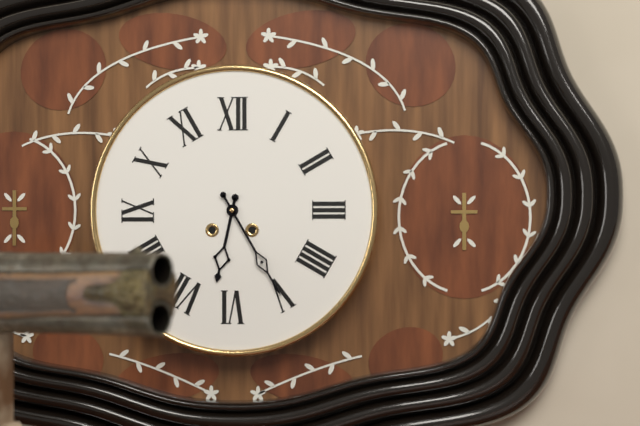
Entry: 6:25
